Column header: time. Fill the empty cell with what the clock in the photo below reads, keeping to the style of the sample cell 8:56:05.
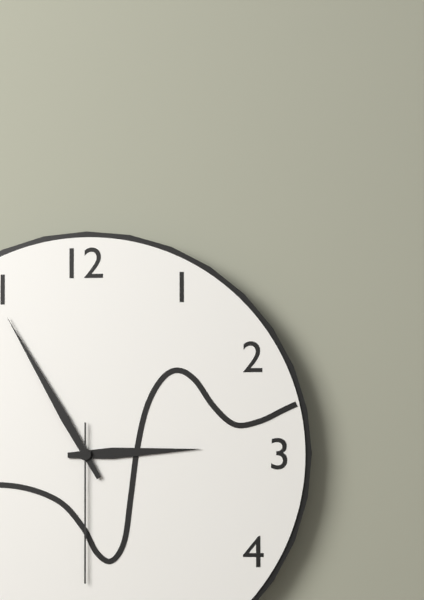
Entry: 2:55:30
